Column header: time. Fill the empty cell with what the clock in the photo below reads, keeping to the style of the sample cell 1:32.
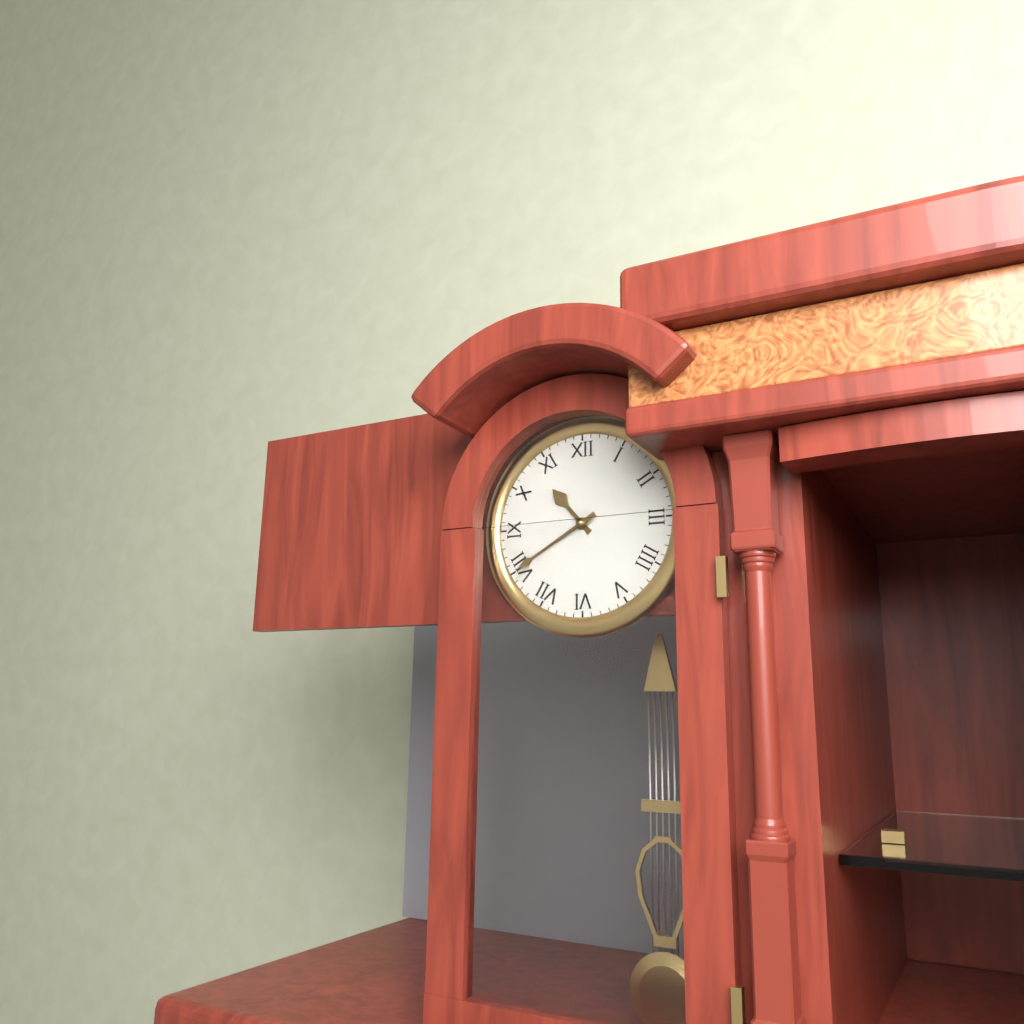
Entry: 10:40
